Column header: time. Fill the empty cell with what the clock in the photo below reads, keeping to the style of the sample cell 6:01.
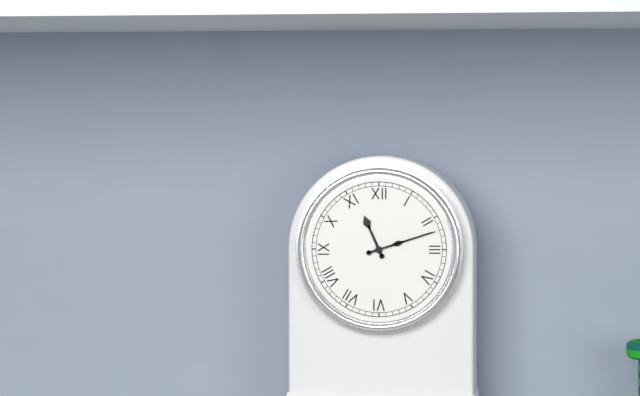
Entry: 11:12
